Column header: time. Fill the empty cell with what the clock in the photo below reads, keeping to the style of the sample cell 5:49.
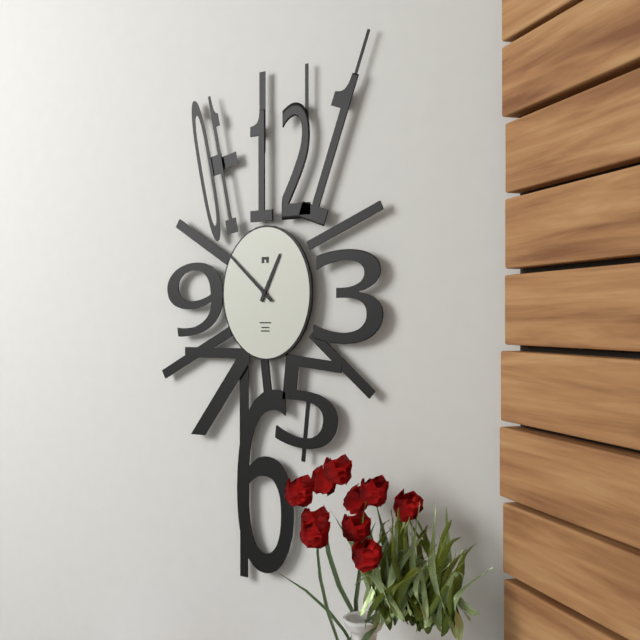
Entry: 12:52
